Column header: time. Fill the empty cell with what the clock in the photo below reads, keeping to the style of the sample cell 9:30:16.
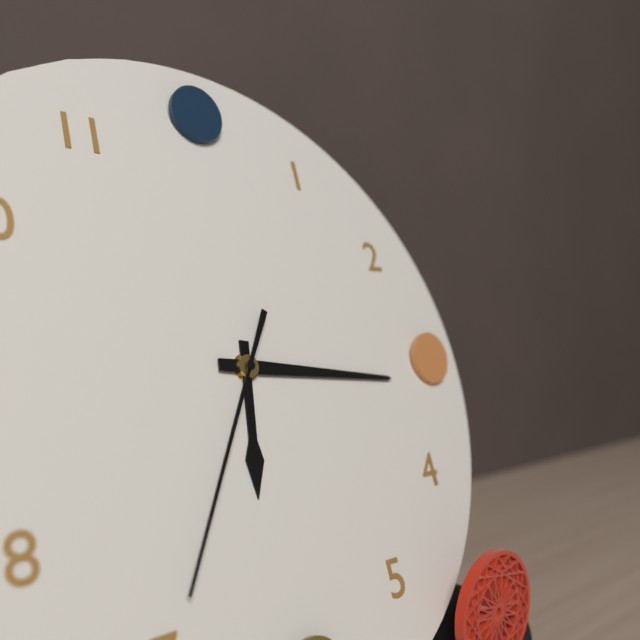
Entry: 6:16:35
